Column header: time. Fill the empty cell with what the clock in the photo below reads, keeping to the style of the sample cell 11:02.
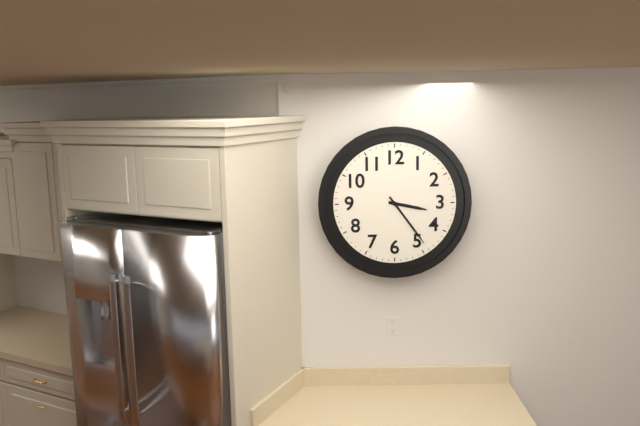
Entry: 3:24
